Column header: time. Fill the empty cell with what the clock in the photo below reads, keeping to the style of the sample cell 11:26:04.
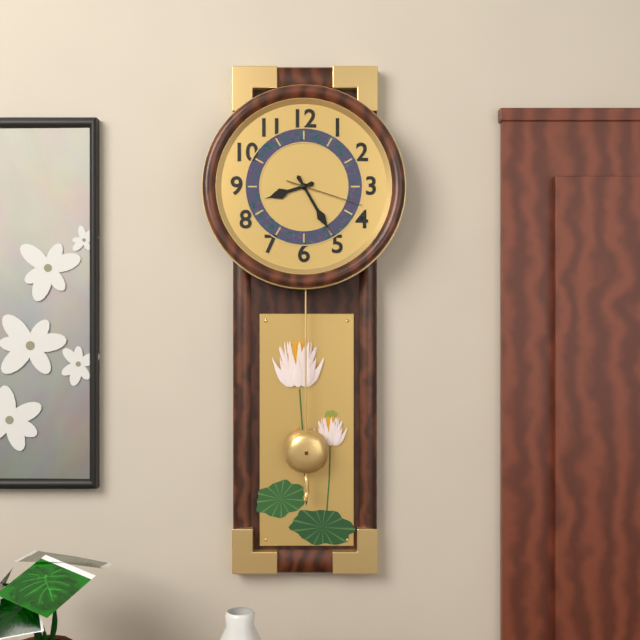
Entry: 8:25:18
